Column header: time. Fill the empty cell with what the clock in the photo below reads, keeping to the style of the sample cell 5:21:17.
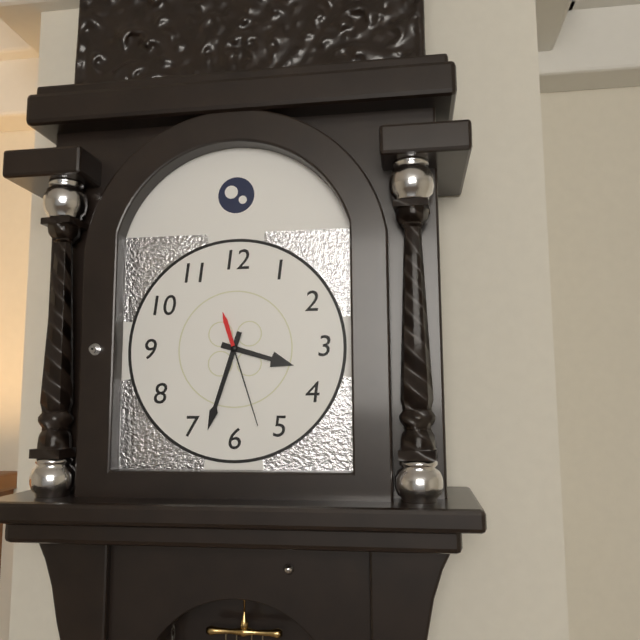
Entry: 3:33:27
